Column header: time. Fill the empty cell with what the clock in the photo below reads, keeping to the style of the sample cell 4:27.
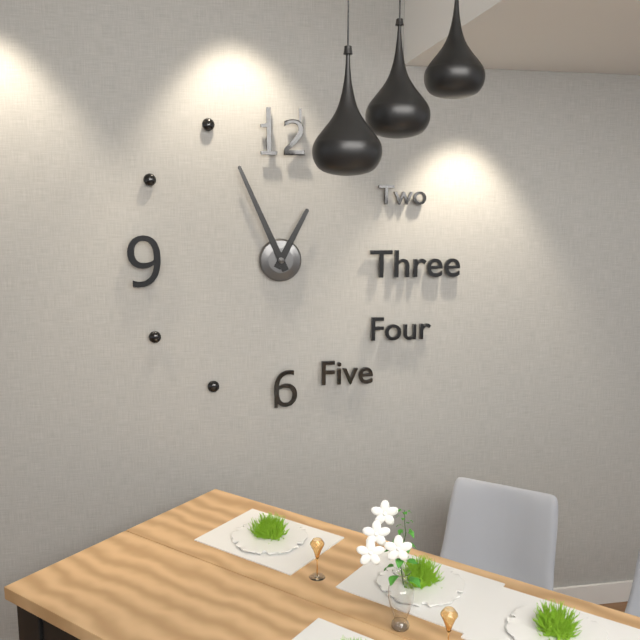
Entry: 12:56
